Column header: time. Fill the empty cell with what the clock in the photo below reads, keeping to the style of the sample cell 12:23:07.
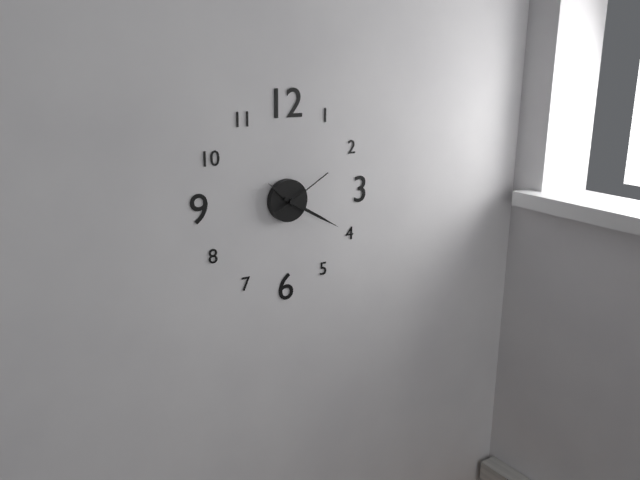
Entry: 10:20:10
